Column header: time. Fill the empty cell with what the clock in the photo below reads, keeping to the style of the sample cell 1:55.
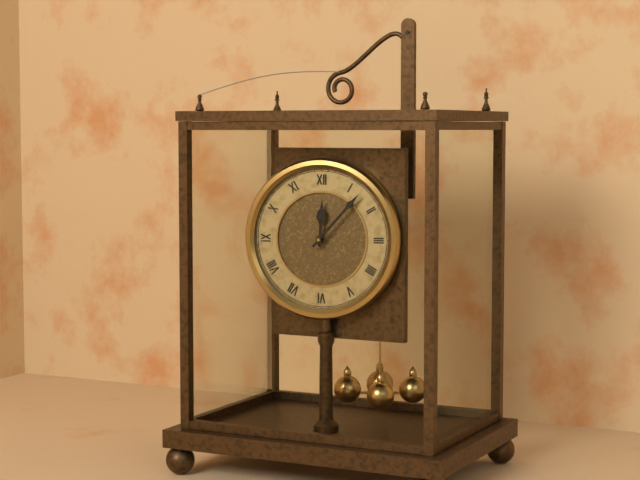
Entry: 12:07
